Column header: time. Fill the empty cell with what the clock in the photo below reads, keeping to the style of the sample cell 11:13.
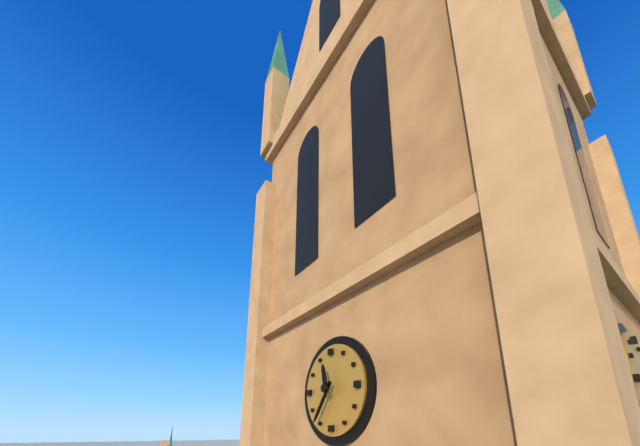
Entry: 11:36
